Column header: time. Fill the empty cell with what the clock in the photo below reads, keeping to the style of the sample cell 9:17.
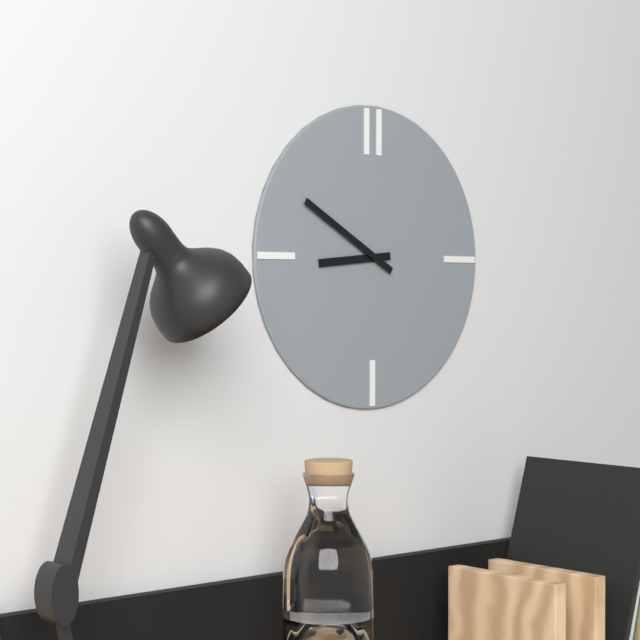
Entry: 8:50
